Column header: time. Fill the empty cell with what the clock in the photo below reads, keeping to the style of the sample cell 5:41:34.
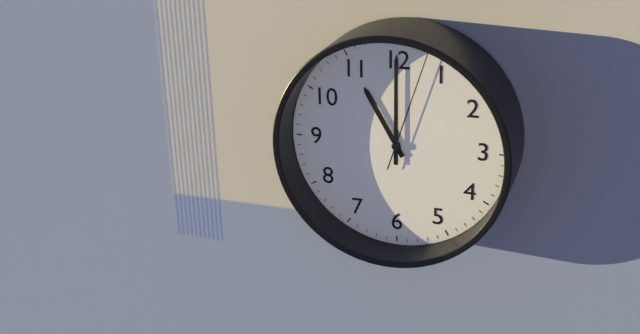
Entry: 11:00:03
